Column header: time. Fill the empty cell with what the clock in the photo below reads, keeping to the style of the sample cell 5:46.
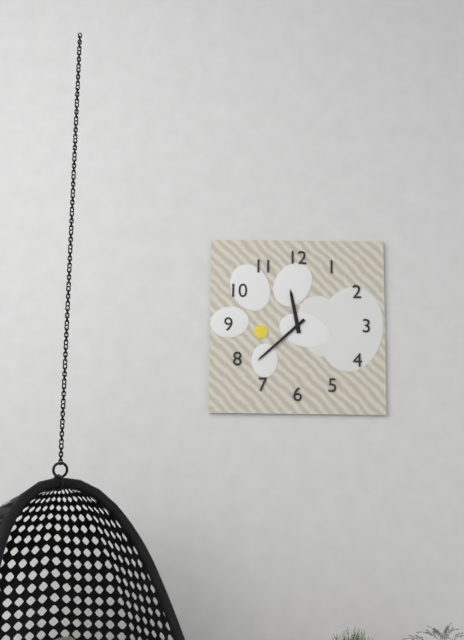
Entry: 11:38
